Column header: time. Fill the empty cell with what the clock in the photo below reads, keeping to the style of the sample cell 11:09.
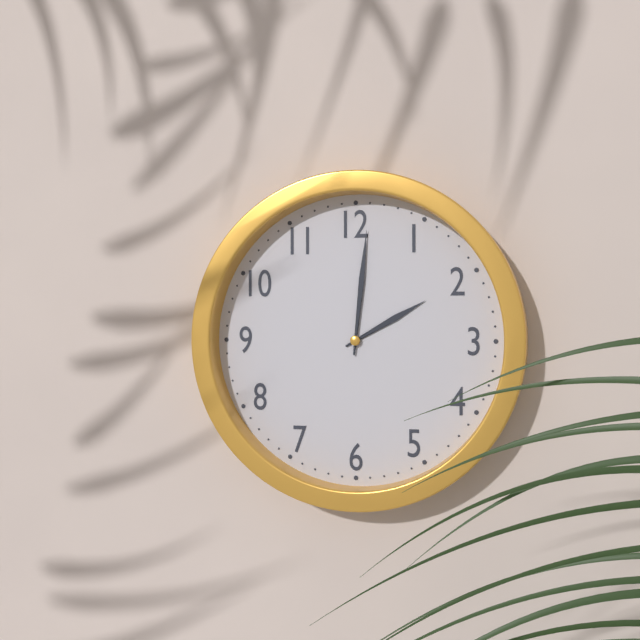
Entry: 2:01
